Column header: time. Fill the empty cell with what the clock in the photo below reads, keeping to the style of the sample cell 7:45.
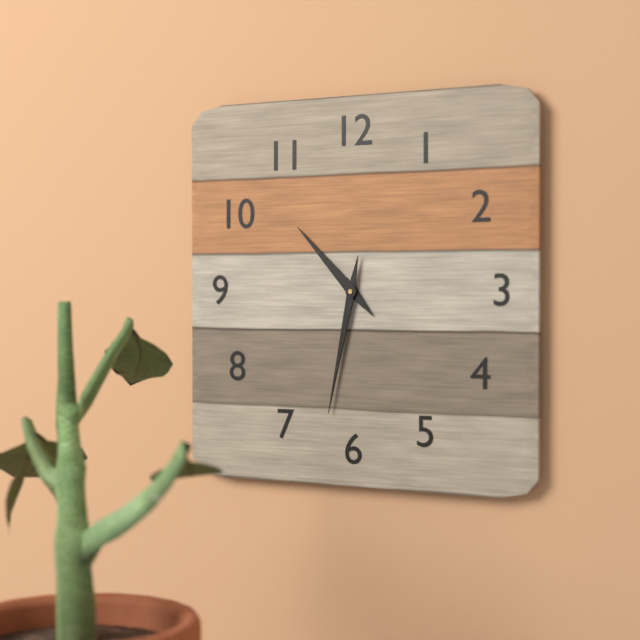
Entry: 10:32
